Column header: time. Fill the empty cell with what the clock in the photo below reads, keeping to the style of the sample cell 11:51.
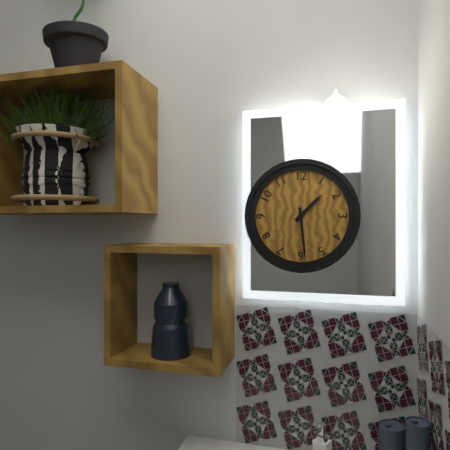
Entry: 1:29
